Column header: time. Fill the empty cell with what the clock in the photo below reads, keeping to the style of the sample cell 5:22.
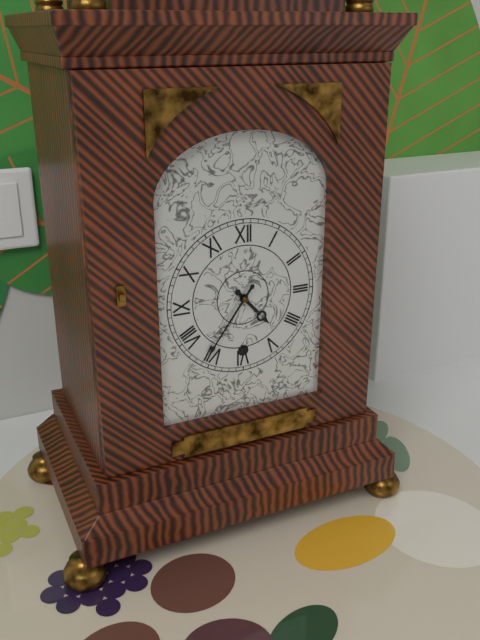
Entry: 4:36
